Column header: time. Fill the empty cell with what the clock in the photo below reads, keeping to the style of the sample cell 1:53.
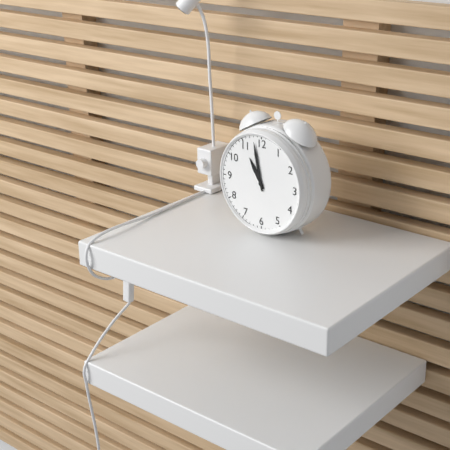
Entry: 10:58
